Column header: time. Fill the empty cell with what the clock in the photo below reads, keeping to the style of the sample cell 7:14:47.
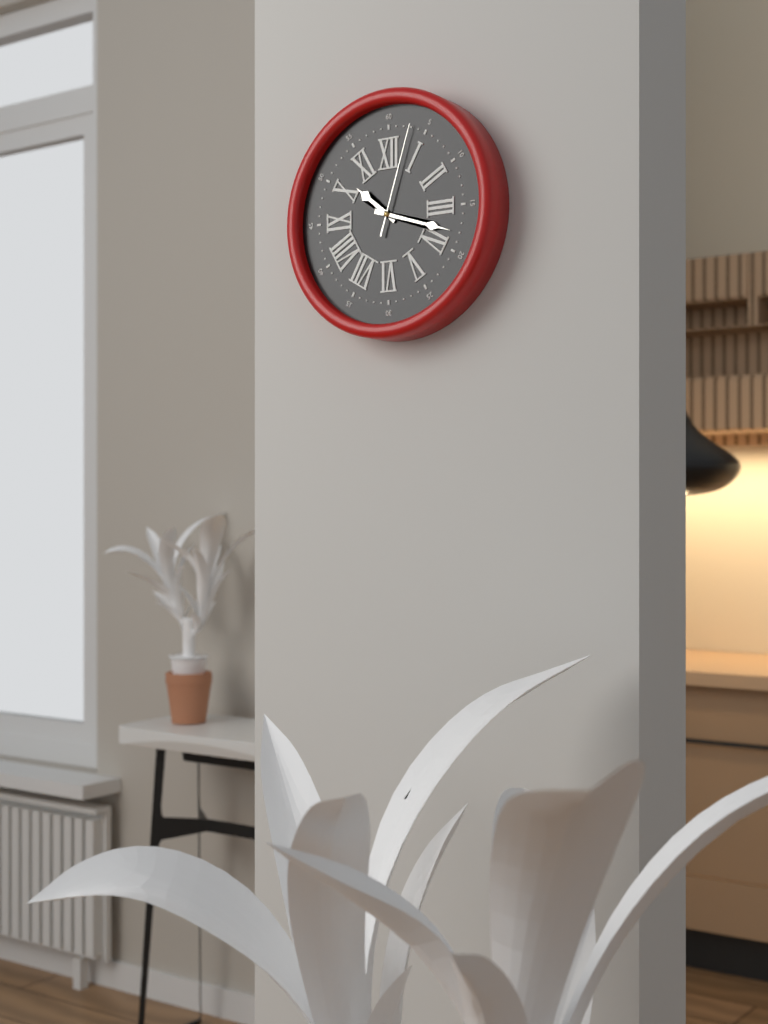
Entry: 10:18:03
